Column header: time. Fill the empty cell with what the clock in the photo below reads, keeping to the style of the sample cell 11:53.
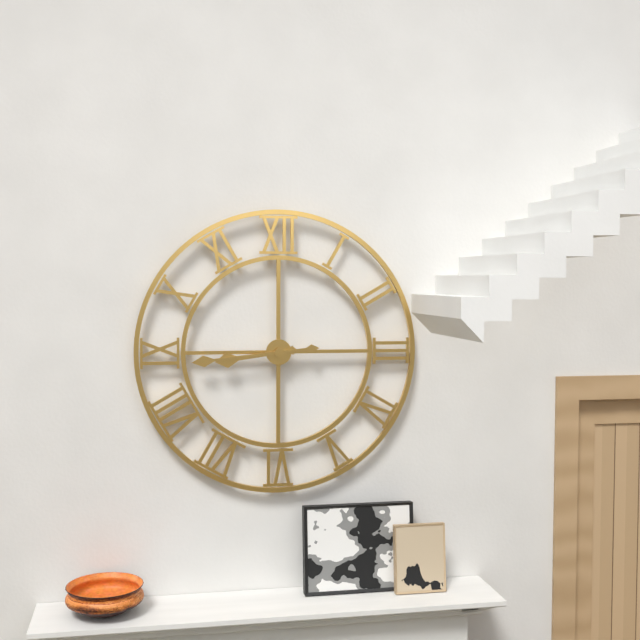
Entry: 8:44
